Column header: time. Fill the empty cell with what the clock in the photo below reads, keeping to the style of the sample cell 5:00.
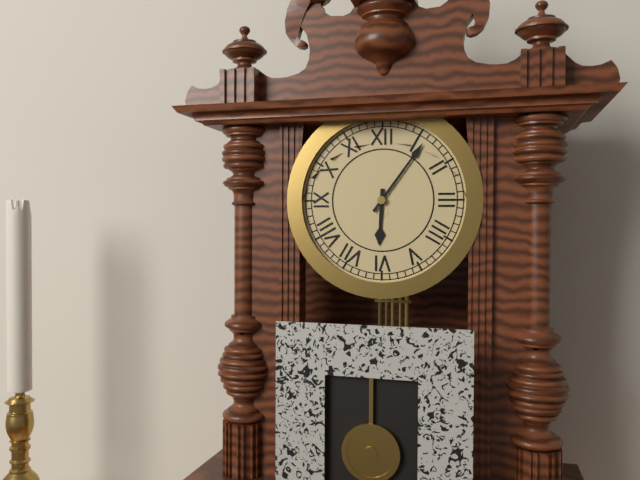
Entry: 6:06
